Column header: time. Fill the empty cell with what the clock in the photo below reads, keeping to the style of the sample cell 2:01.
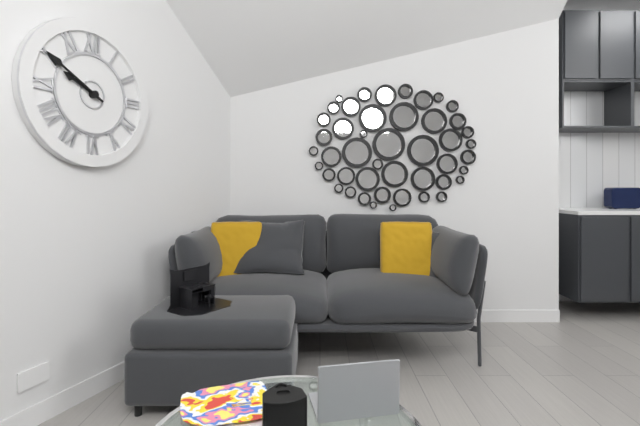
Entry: 9:50
